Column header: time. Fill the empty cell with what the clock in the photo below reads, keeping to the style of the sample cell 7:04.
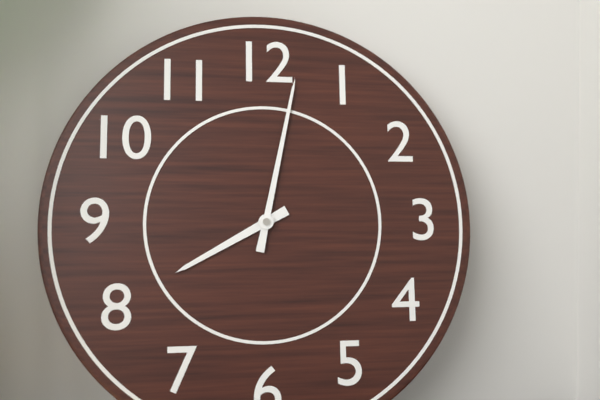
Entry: 8:02
